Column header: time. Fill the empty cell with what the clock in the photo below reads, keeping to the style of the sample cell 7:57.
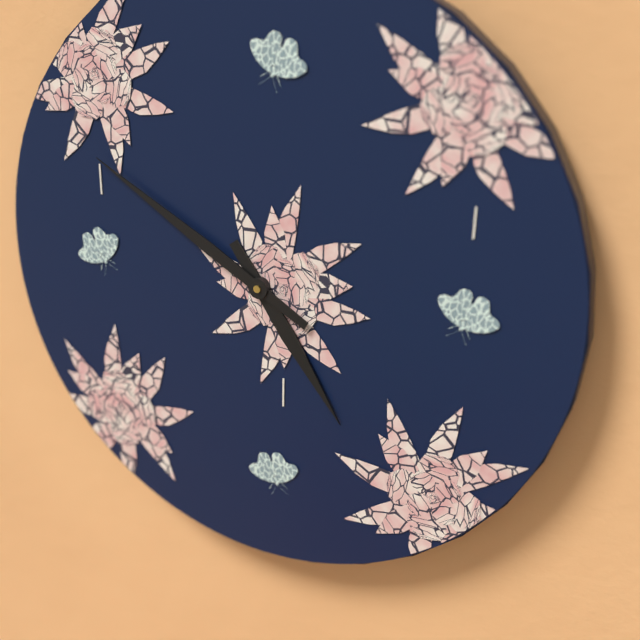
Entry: 4:50
